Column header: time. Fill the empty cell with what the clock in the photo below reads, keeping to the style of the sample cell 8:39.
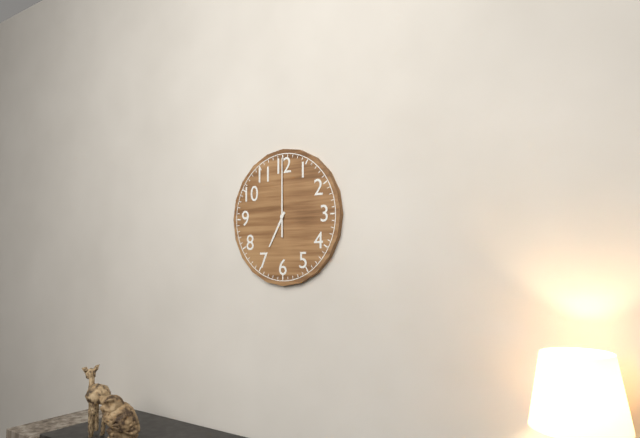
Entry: 7:00
